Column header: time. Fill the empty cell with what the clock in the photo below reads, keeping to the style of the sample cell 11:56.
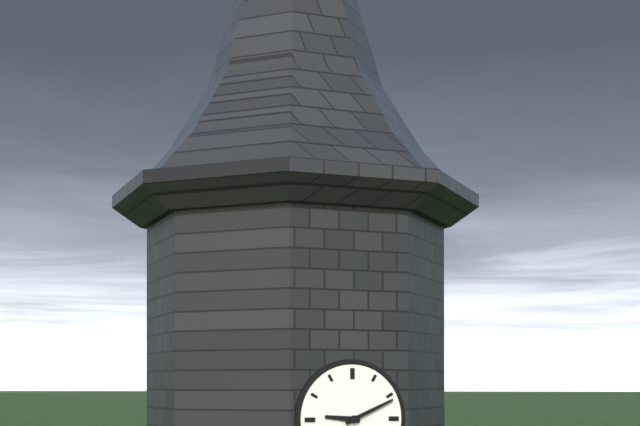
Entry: 9:11
